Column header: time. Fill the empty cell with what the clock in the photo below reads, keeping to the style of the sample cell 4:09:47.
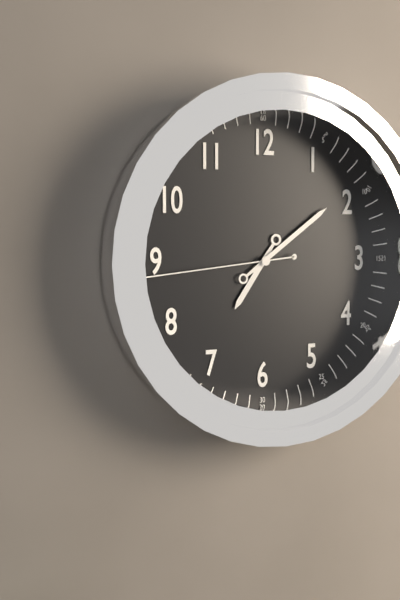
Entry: 7:09:44
